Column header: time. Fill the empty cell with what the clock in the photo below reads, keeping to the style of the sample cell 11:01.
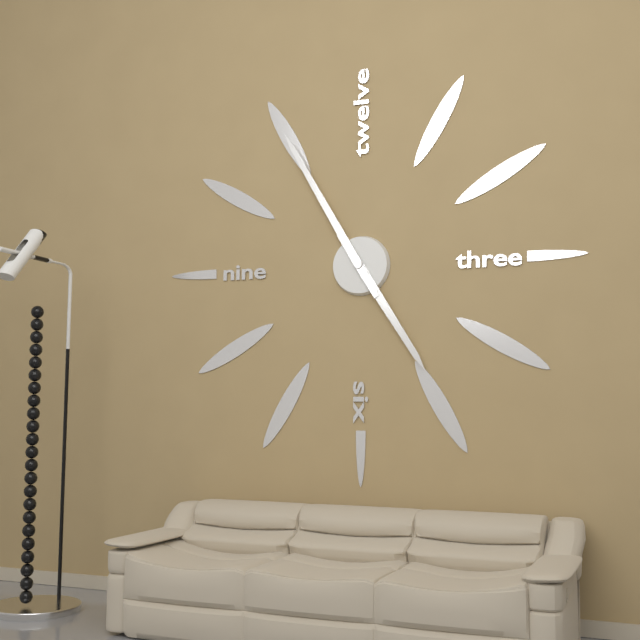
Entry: 4:55
